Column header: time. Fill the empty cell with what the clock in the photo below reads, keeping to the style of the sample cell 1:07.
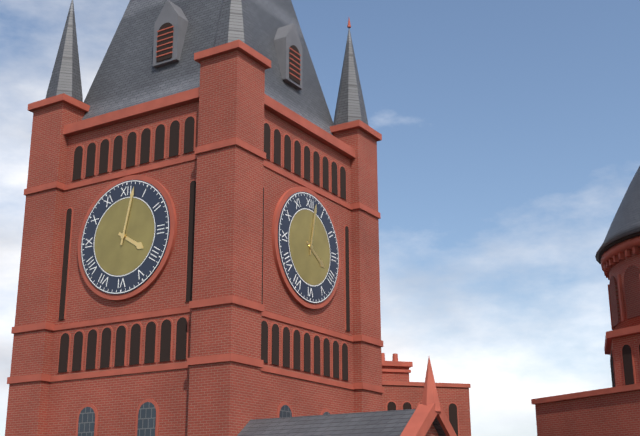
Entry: 4:02
